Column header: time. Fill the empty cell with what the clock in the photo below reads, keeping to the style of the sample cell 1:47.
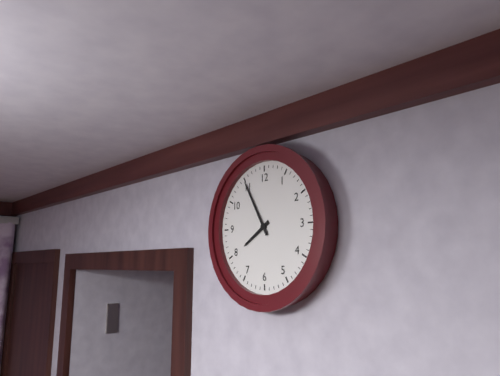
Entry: 7:55
